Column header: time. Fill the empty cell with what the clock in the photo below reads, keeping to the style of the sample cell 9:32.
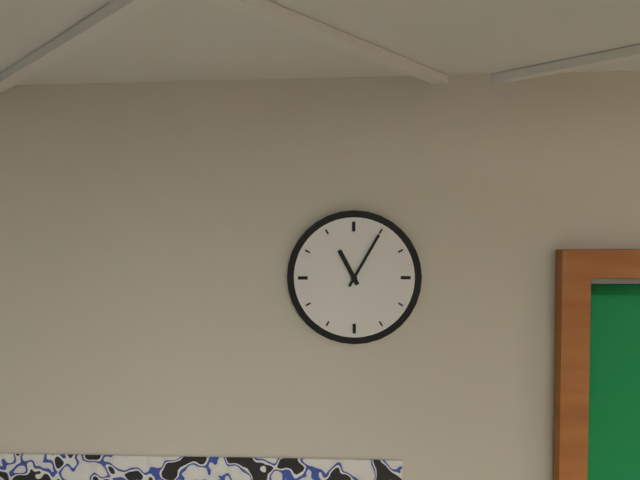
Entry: 11:05
